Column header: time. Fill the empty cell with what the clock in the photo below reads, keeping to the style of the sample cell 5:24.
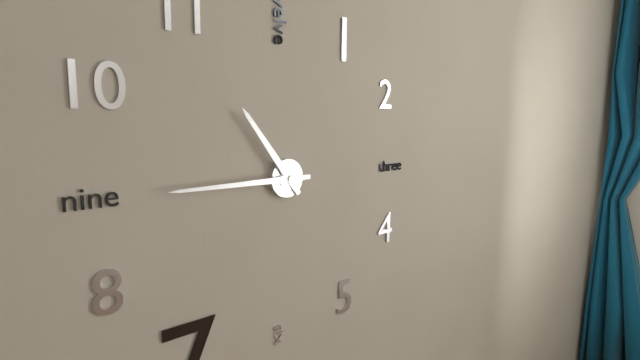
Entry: 10:45
